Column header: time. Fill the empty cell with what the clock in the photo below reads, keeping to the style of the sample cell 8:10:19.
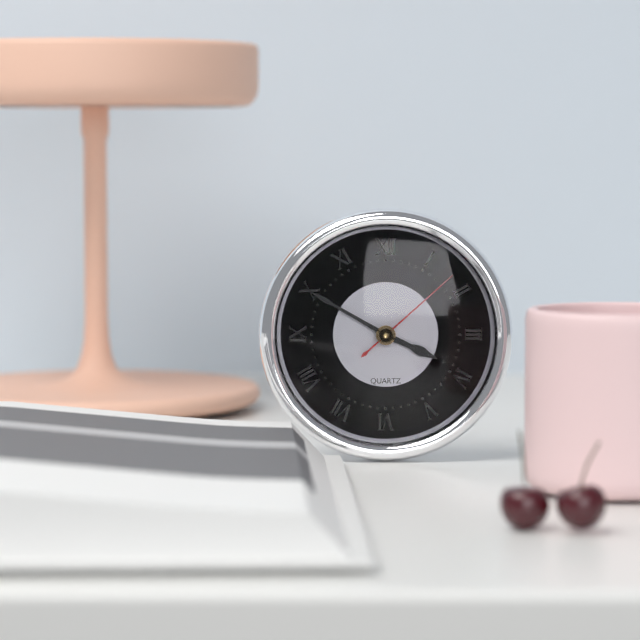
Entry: 3:50:08
